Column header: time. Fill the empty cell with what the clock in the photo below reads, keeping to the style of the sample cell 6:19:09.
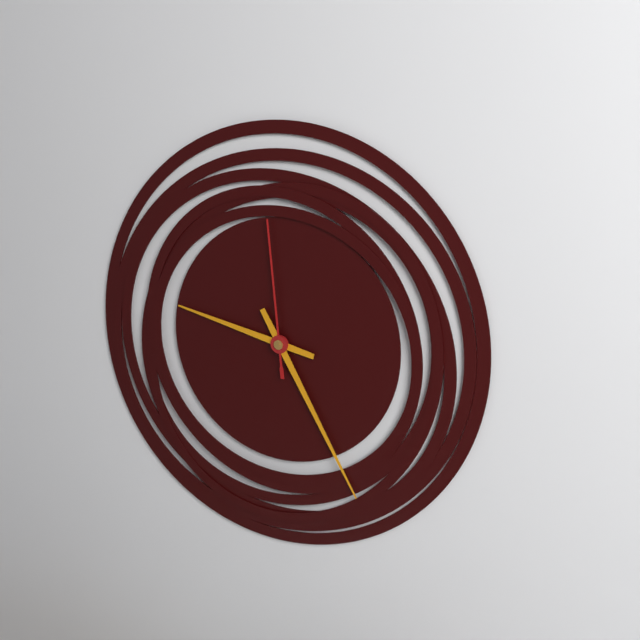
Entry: 9:25:59
